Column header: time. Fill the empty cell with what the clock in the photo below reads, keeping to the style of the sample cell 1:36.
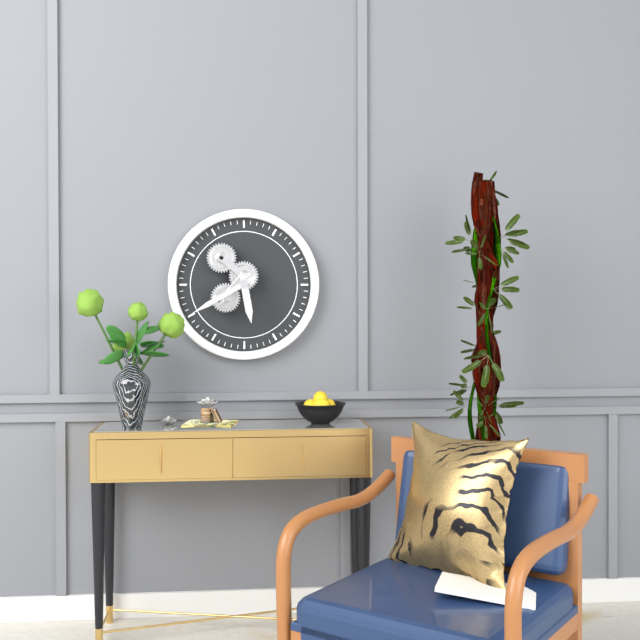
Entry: 5:40
